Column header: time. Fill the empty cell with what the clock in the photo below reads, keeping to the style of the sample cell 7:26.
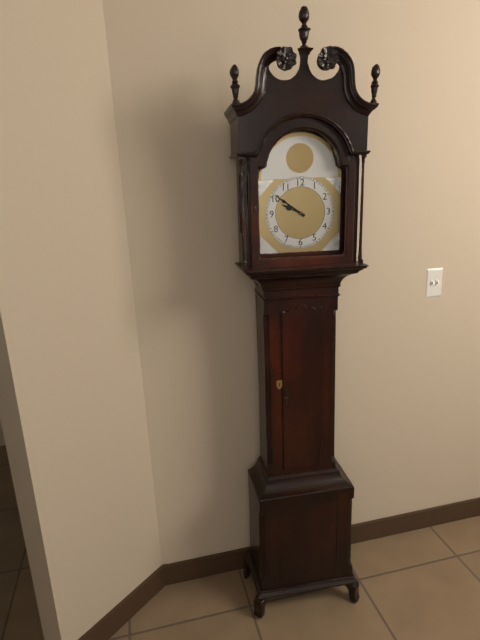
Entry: 9:51
